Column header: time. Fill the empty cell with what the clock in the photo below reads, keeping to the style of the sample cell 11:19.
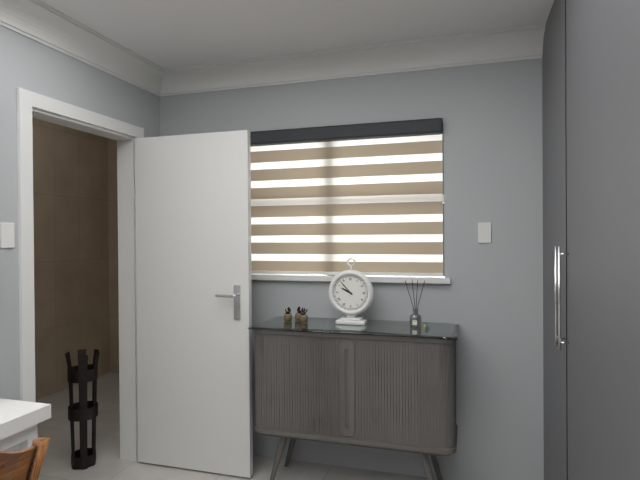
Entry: 9:53
